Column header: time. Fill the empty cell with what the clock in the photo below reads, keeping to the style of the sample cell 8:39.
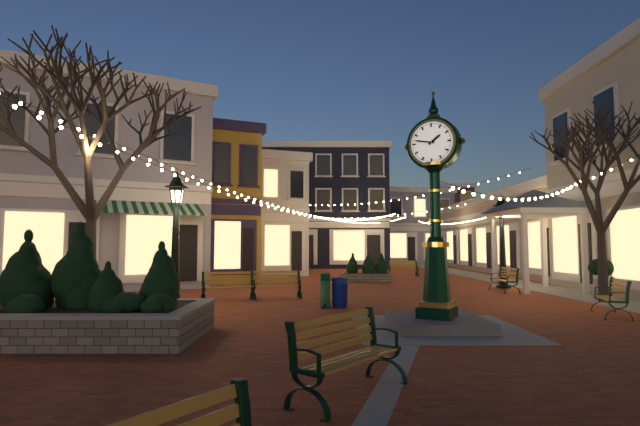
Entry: 1:47
